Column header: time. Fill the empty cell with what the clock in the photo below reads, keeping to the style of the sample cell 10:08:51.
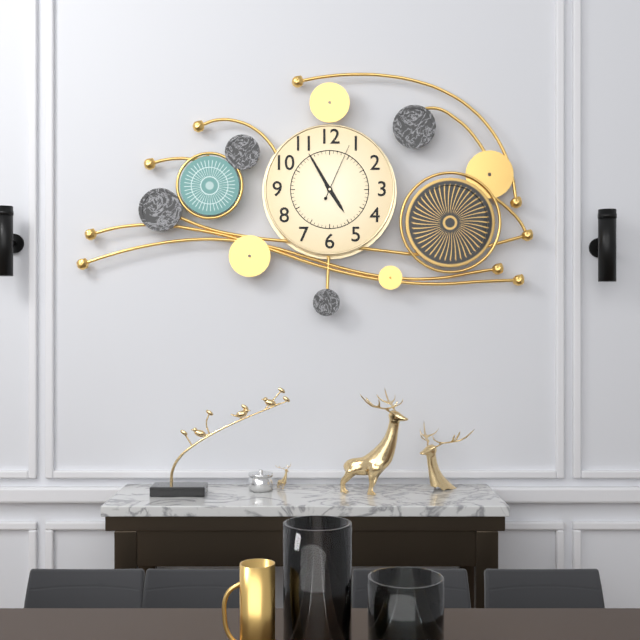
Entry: 4:55:04
